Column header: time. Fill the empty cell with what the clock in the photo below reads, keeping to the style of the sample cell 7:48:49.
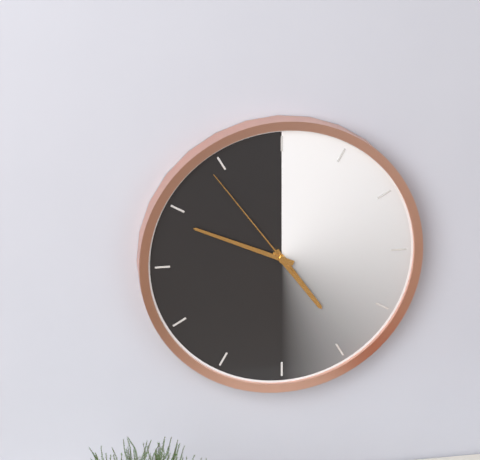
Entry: 4:49:54
